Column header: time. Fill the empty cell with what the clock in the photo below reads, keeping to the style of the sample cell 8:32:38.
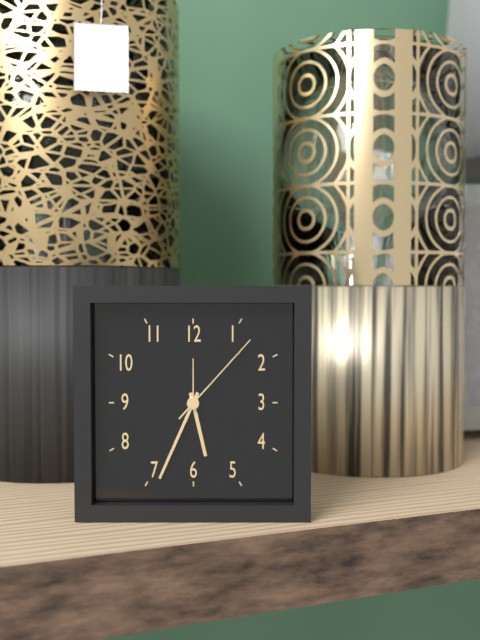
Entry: 5:34:07
